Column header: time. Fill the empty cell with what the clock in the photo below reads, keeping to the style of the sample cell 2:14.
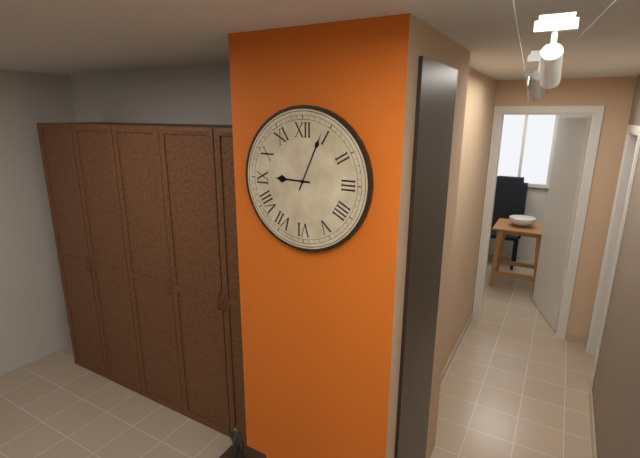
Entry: 9:04
